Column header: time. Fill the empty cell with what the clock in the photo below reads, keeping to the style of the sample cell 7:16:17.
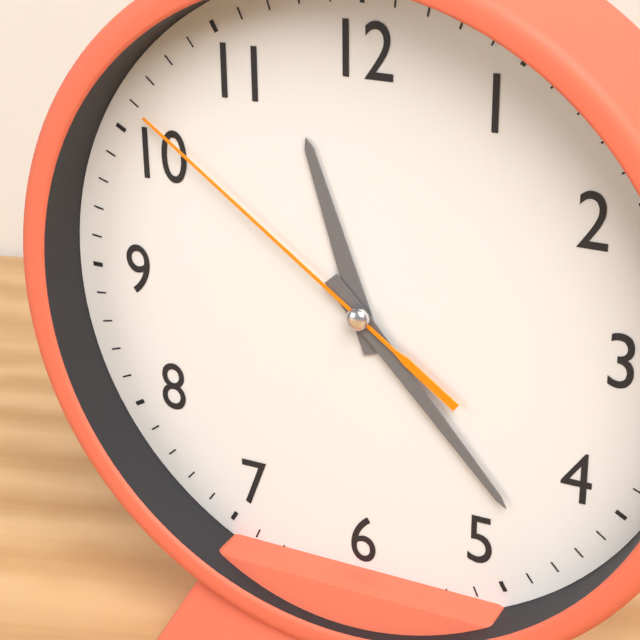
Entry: 11:23:51
